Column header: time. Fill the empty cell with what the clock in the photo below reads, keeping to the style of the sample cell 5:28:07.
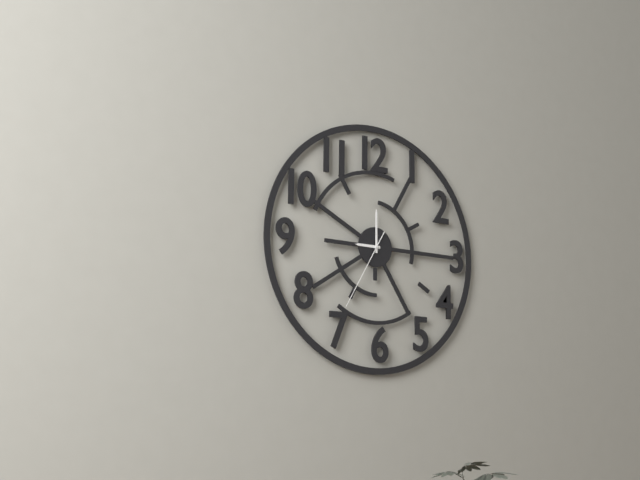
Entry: 9:00:35
